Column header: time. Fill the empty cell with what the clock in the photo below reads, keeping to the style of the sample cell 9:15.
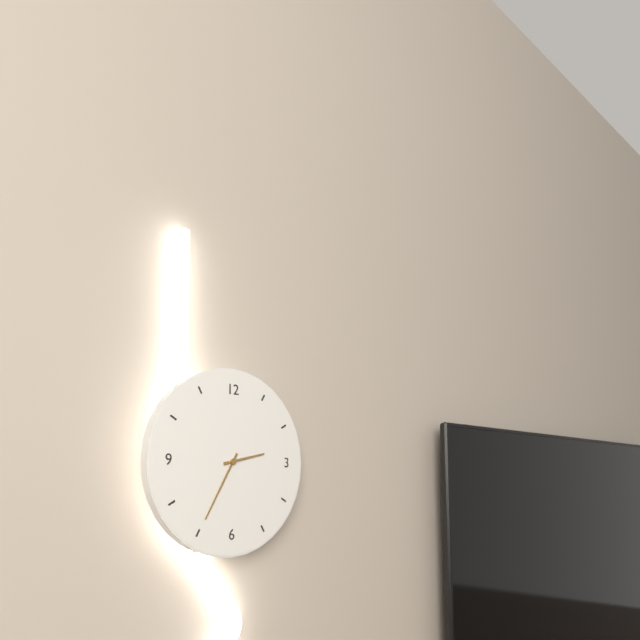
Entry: 2:35
